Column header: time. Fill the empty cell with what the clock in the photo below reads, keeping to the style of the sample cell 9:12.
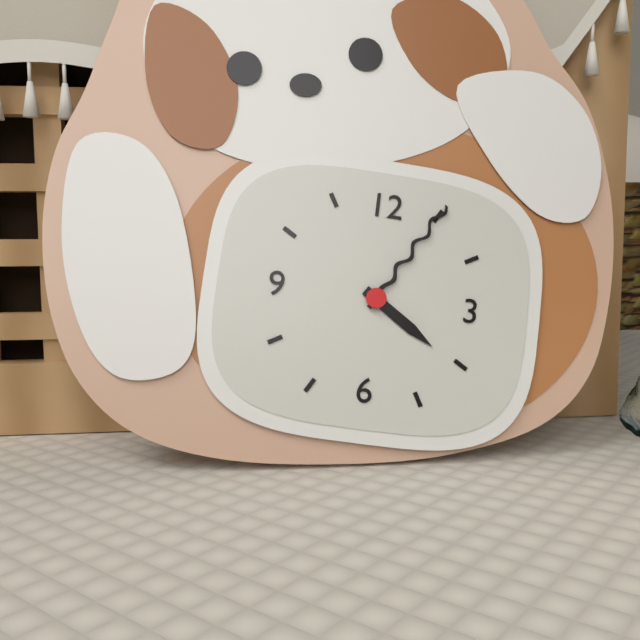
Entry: 4:05
